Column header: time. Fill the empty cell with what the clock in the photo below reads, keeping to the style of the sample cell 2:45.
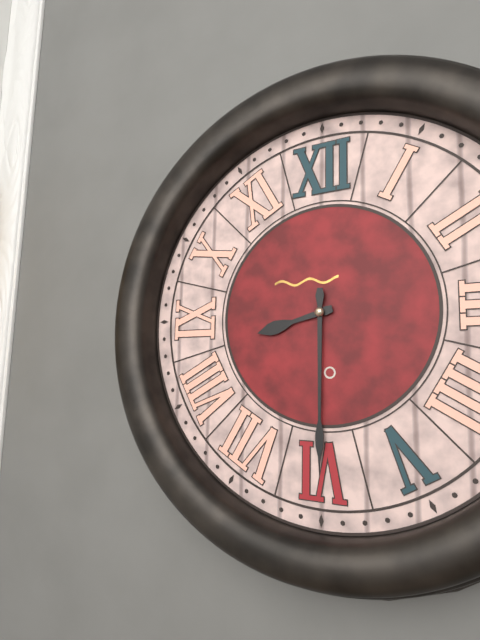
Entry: 8:30
